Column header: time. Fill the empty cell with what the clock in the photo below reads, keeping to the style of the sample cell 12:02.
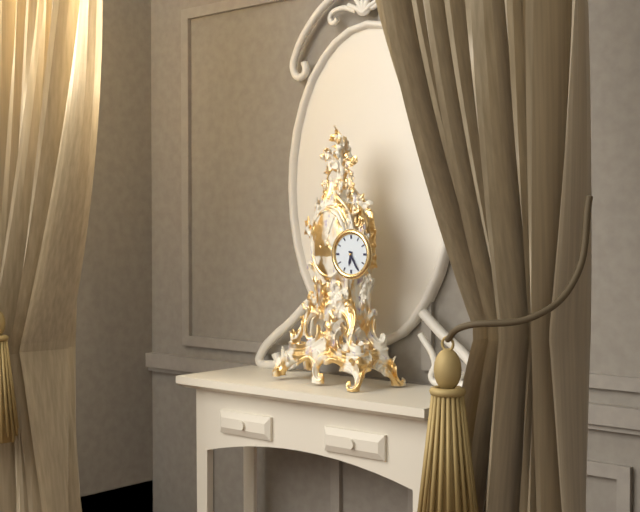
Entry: 6:25
